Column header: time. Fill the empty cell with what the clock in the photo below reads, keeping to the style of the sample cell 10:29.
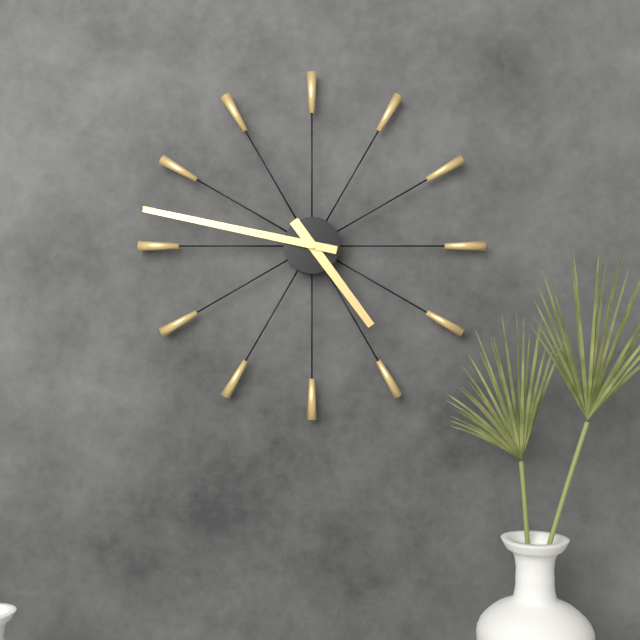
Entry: 4:47
